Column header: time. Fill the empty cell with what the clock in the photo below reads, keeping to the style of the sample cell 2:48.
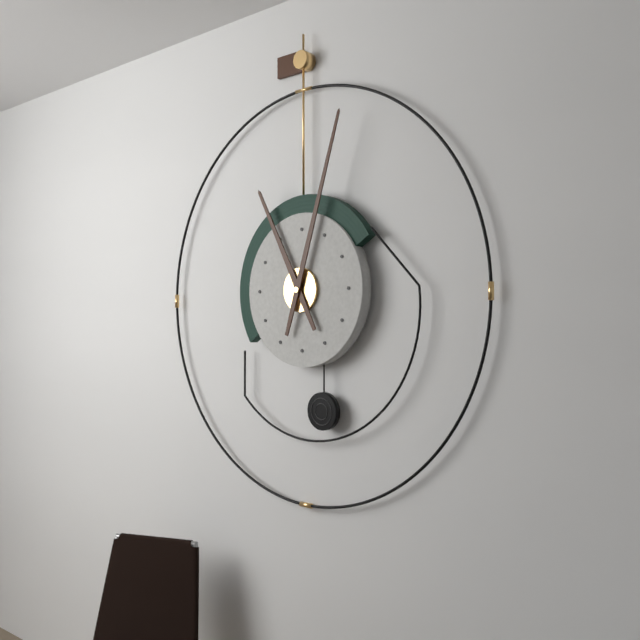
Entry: 11:03
